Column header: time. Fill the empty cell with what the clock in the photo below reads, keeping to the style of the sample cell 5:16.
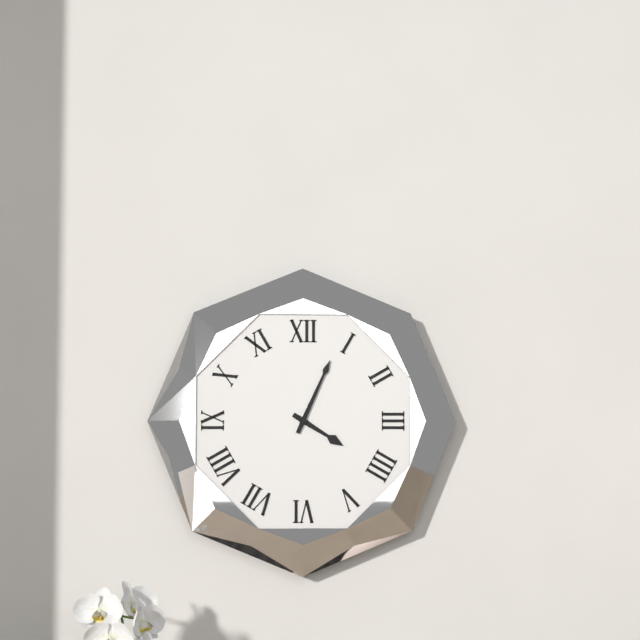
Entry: 4:04
